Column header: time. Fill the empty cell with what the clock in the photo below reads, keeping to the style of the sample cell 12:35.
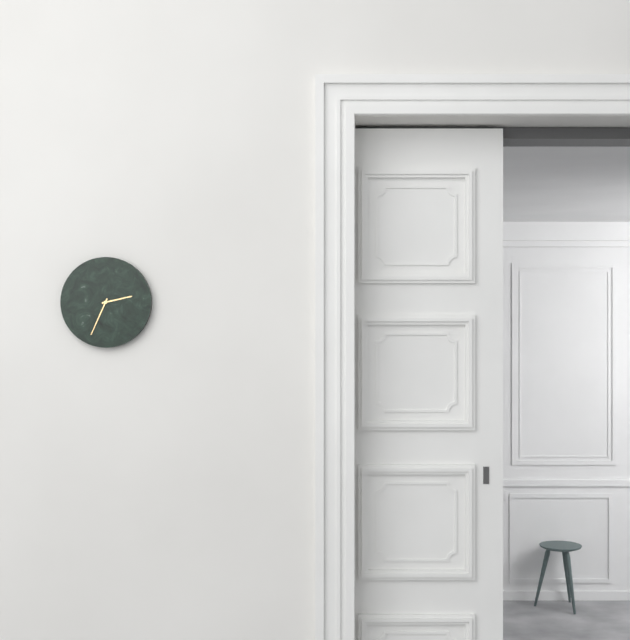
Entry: 2:34
